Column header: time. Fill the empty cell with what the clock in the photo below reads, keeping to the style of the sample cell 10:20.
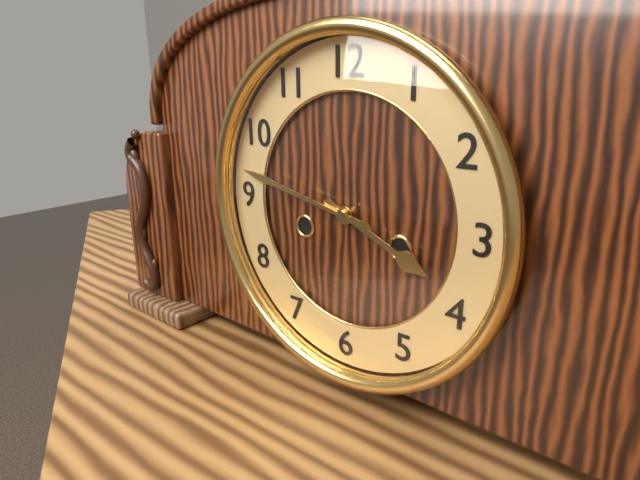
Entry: 3:47
